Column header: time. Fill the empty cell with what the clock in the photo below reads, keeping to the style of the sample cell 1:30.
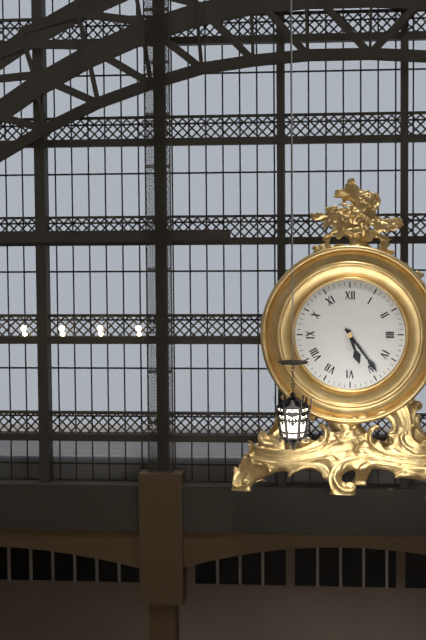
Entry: 5:24
